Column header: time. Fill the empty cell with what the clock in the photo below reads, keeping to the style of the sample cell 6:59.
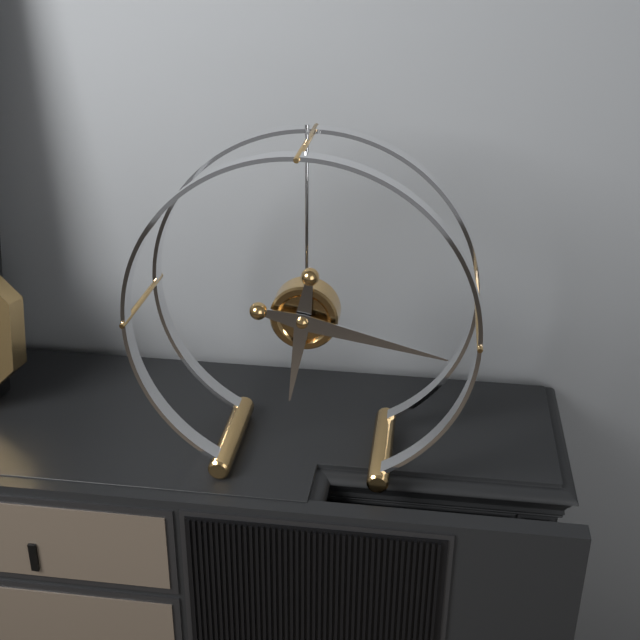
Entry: 6:17
